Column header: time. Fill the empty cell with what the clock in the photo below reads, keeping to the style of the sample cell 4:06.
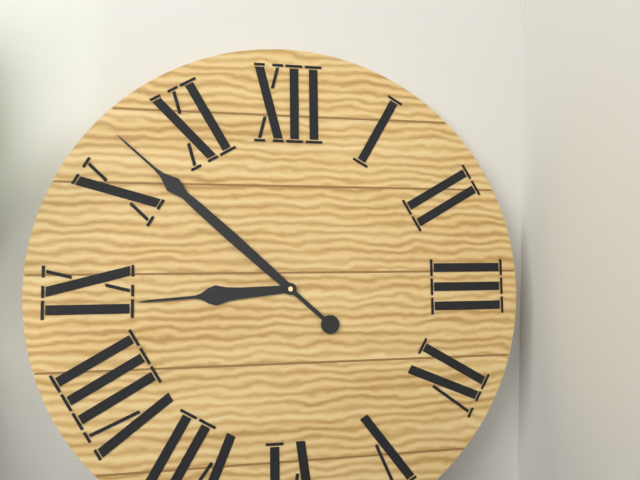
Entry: 8:52
